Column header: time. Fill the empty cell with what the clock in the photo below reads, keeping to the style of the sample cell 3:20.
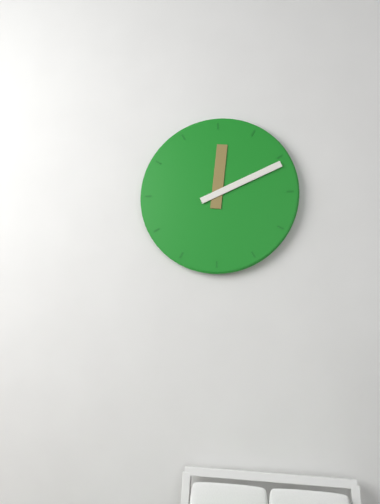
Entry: 12:11
